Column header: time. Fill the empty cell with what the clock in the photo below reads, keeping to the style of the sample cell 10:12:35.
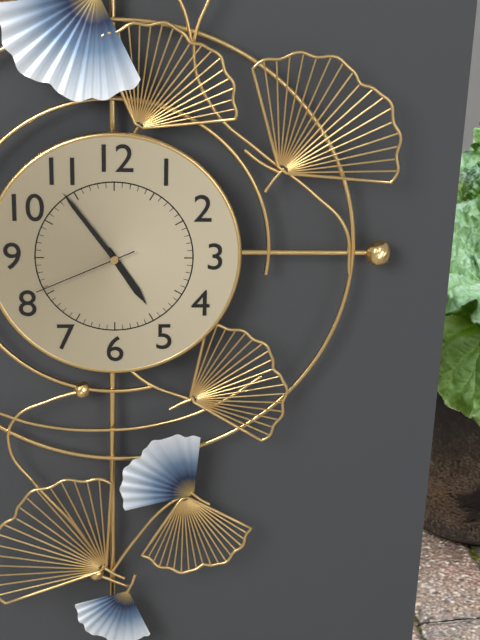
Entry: 4:54:41
